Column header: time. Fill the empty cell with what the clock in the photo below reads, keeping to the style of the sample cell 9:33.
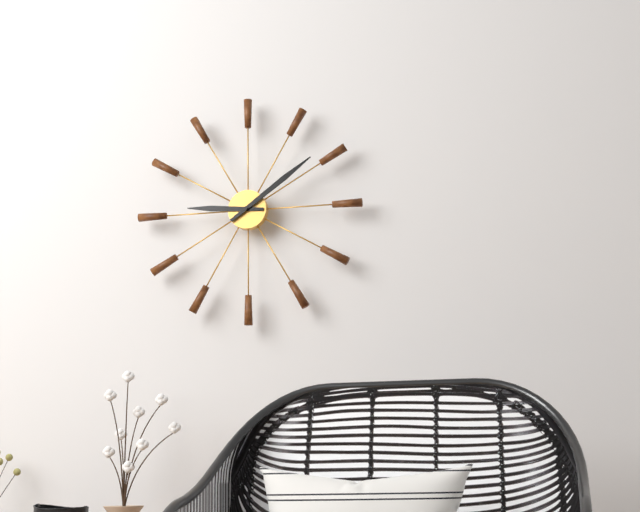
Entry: 9:09
